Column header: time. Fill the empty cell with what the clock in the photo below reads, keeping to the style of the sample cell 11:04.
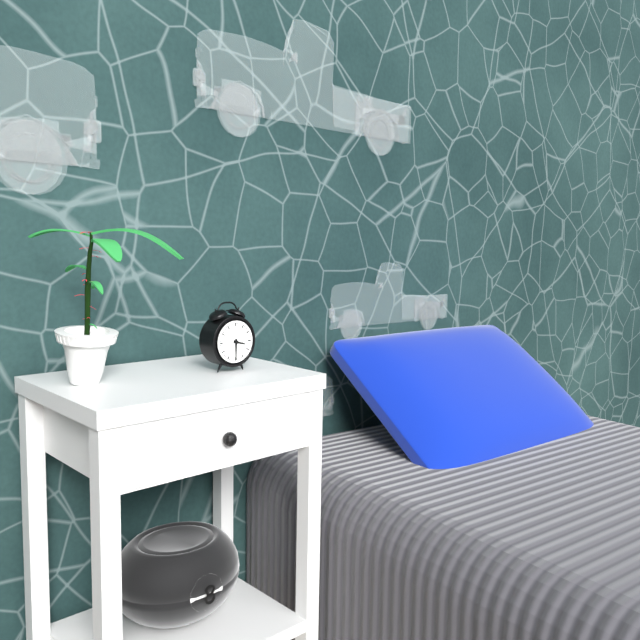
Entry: 3:30
